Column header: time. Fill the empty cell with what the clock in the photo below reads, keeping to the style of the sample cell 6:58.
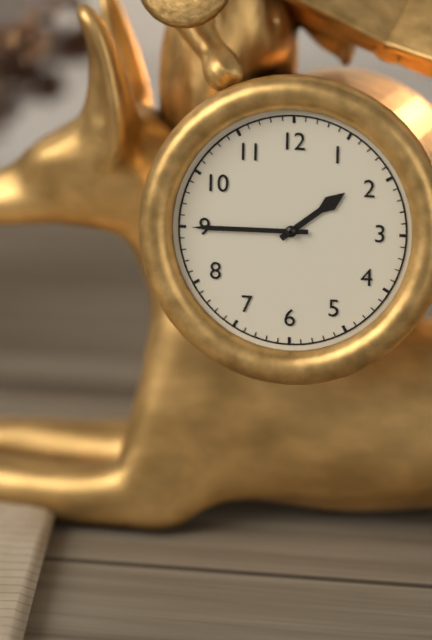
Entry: 1:45
